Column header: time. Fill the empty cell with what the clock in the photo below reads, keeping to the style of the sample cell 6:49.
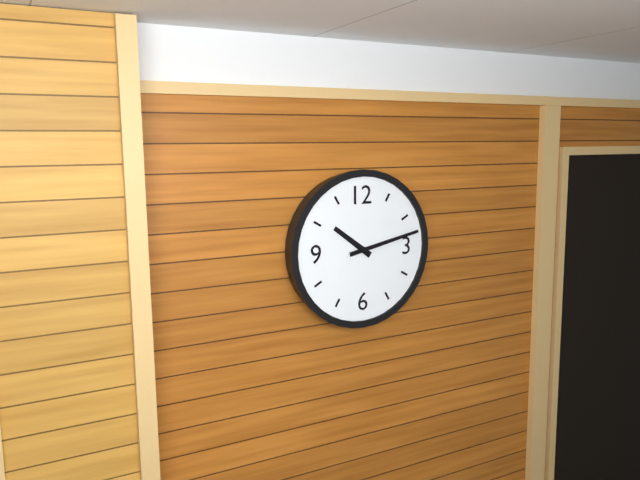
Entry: 10:13
